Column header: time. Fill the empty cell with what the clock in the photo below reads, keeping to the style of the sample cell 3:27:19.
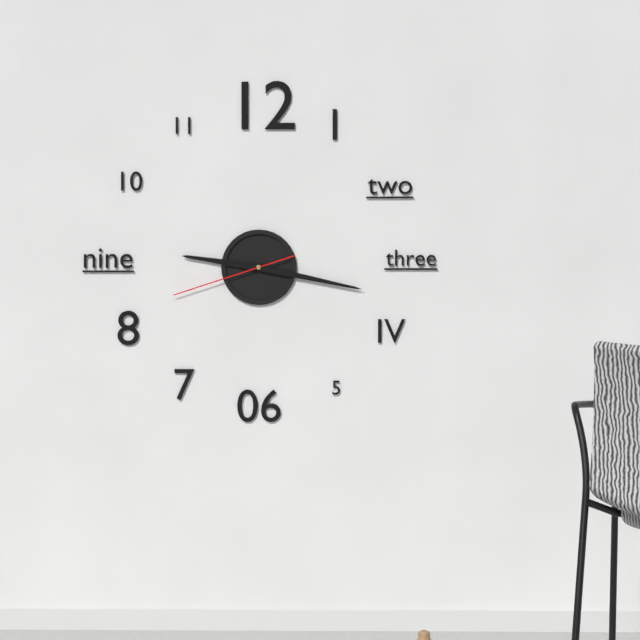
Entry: 9:17:42
